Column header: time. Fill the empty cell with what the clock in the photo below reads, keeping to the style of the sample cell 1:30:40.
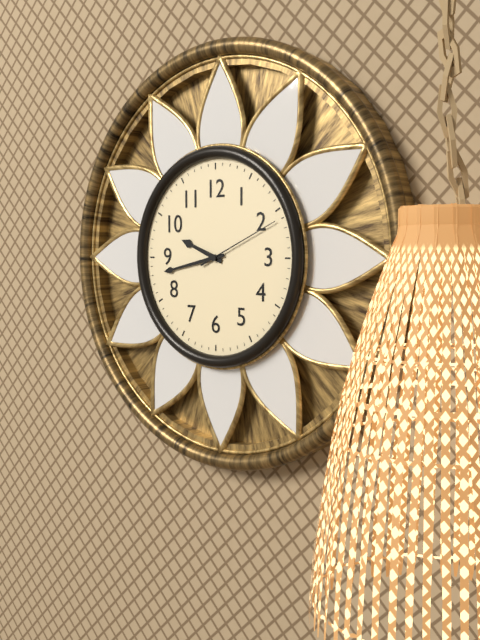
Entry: 9:43:11
